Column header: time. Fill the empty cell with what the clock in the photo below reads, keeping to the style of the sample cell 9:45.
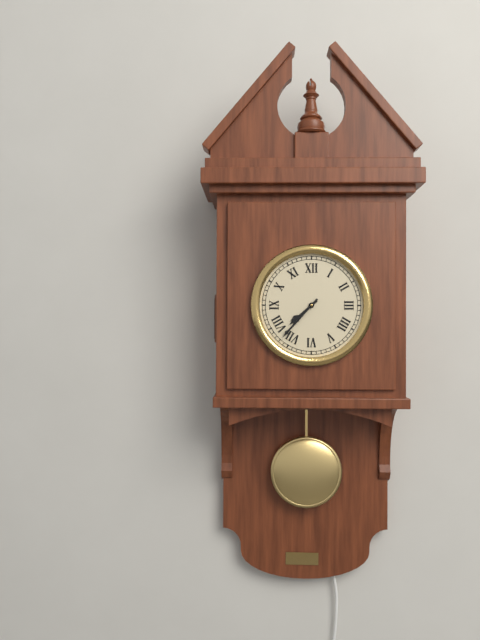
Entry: 7:37
